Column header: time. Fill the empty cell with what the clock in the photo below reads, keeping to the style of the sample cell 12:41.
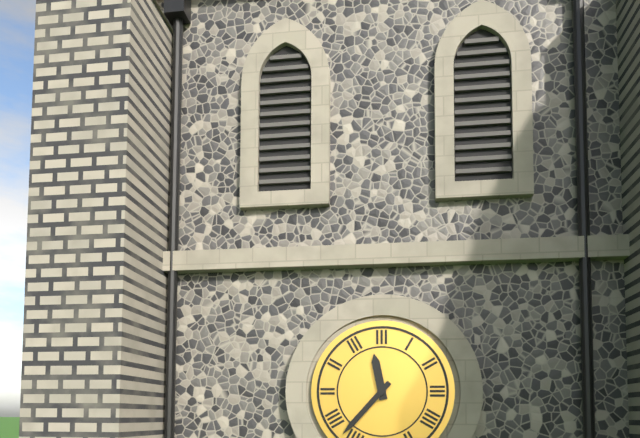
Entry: 11:37
